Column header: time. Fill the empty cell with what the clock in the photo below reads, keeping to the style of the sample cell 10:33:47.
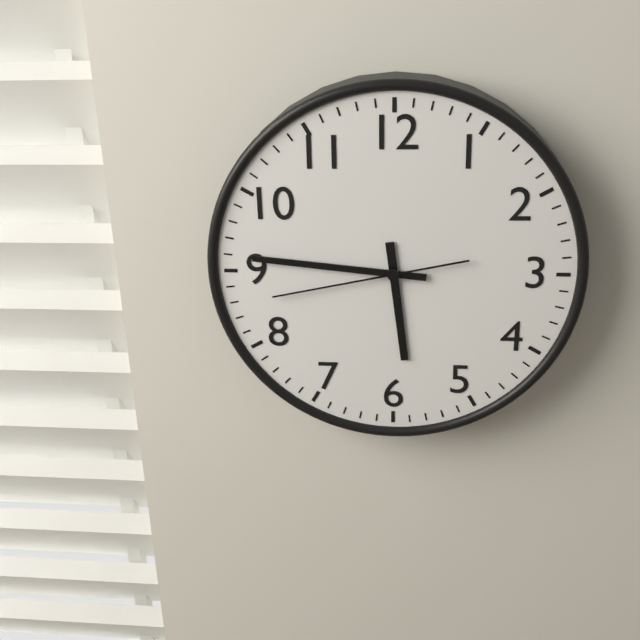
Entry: 5:46:43
